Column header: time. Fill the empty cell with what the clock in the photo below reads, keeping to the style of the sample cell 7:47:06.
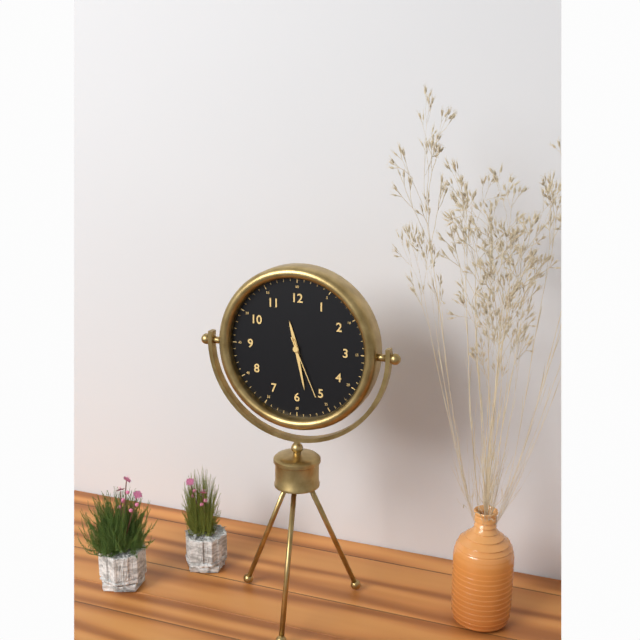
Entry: 11:28:26
